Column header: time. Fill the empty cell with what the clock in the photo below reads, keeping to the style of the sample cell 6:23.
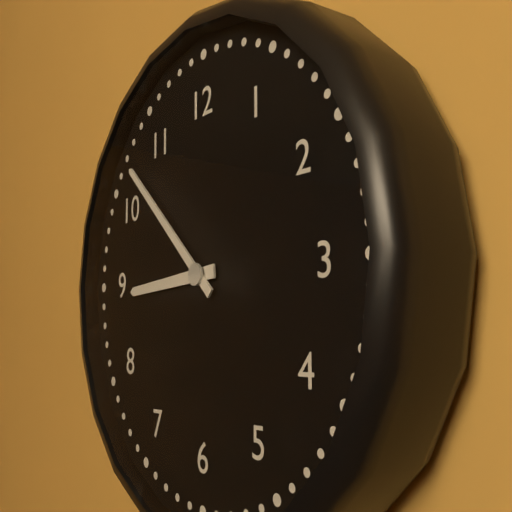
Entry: 8:52
